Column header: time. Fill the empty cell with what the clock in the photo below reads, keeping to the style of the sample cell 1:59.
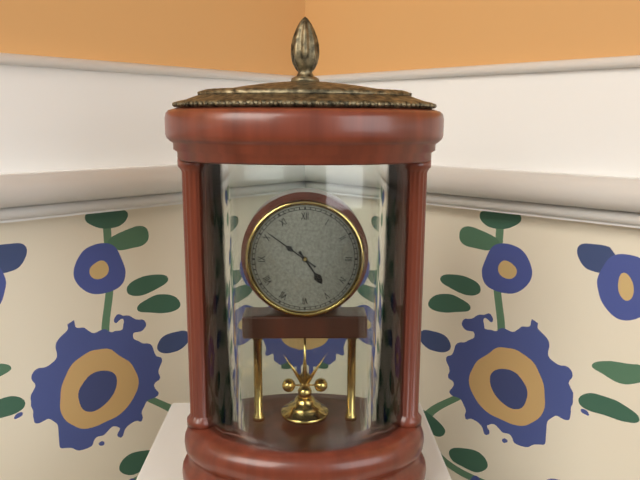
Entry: 4:51
